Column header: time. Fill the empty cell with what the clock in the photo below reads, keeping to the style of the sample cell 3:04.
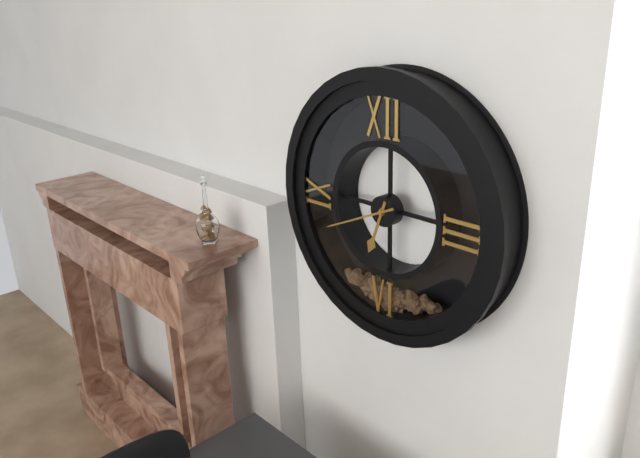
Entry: 6:41
